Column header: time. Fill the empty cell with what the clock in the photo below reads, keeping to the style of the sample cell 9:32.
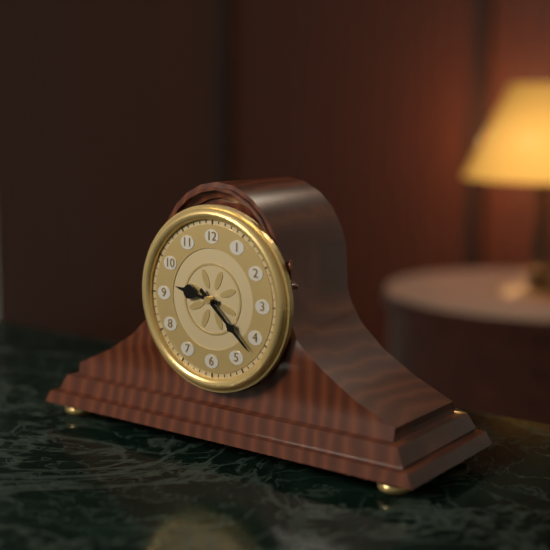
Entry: 9:22
